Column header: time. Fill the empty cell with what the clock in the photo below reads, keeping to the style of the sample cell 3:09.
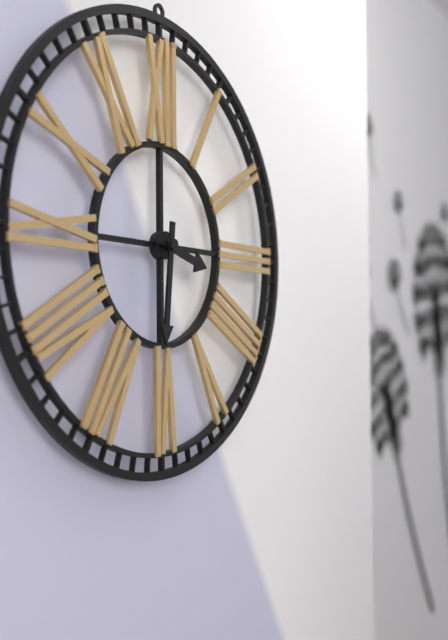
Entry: 3:31
